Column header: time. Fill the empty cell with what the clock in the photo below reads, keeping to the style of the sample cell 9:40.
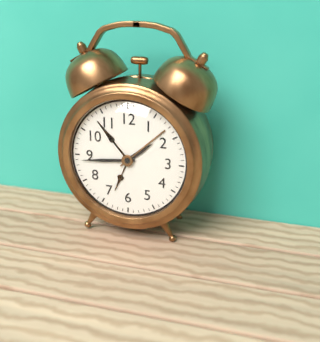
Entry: 1:44
